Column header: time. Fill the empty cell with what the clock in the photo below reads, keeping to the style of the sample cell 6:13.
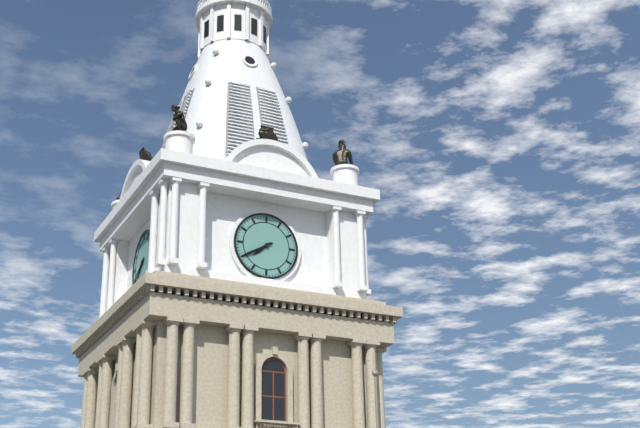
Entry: 7:40
